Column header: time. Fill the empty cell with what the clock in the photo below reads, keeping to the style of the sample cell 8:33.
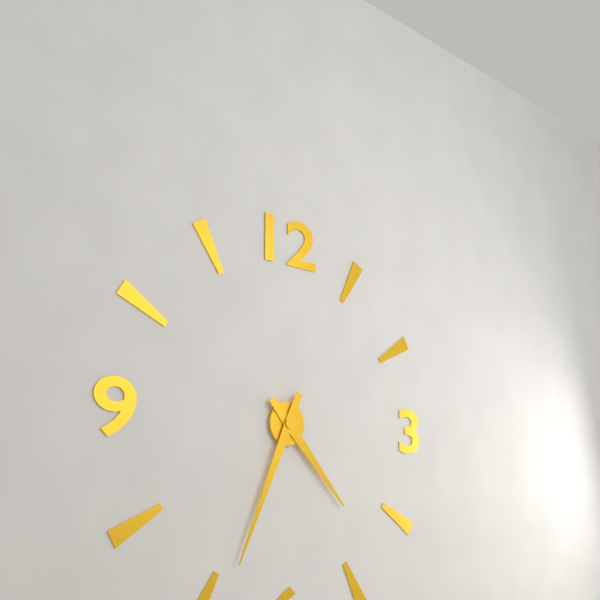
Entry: 4:34
